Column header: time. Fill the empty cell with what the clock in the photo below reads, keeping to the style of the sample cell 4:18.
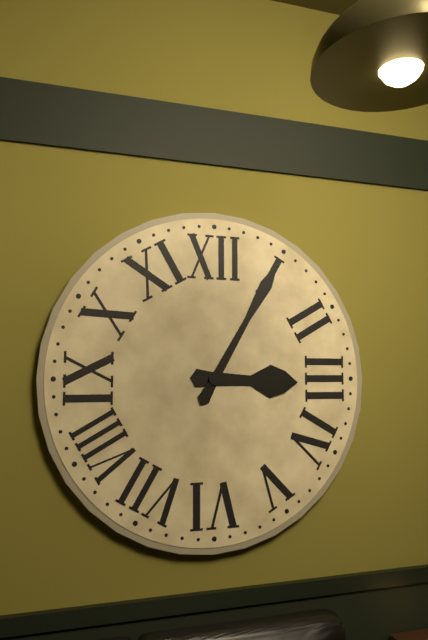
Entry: 3:05
